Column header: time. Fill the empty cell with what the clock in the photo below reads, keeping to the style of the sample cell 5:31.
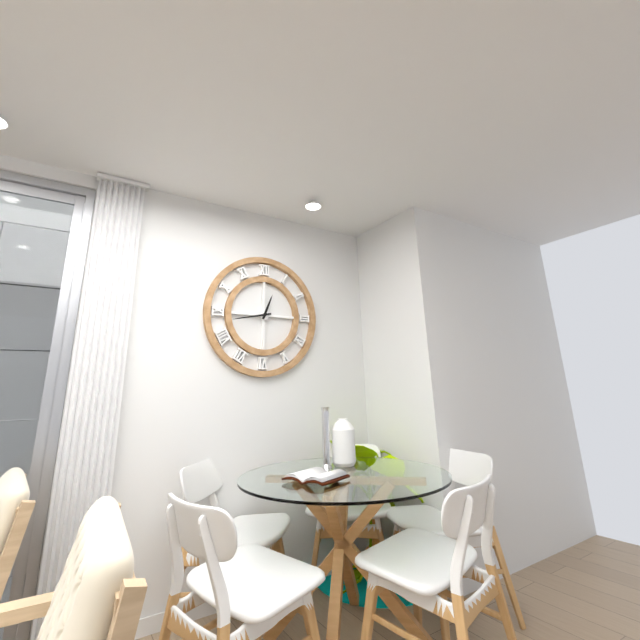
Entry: 12:43
